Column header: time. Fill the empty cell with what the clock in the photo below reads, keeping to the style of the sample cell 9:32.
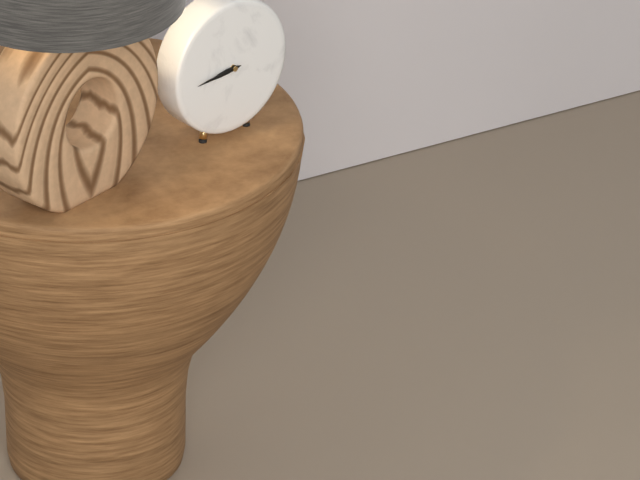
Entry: 8:44
